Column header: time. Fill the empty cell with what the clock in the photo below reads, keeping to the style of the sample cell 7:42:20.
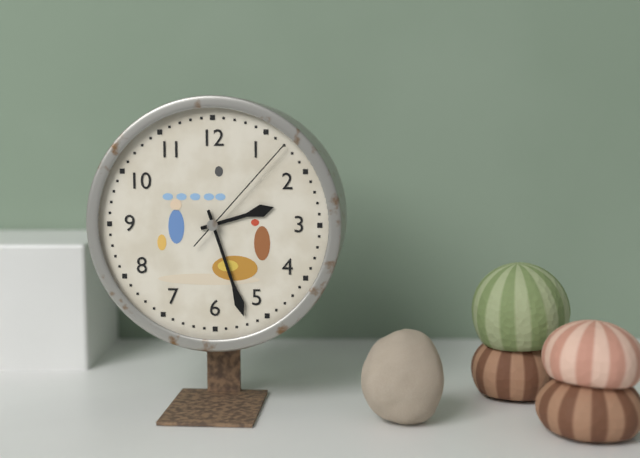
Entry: 2:27:07
